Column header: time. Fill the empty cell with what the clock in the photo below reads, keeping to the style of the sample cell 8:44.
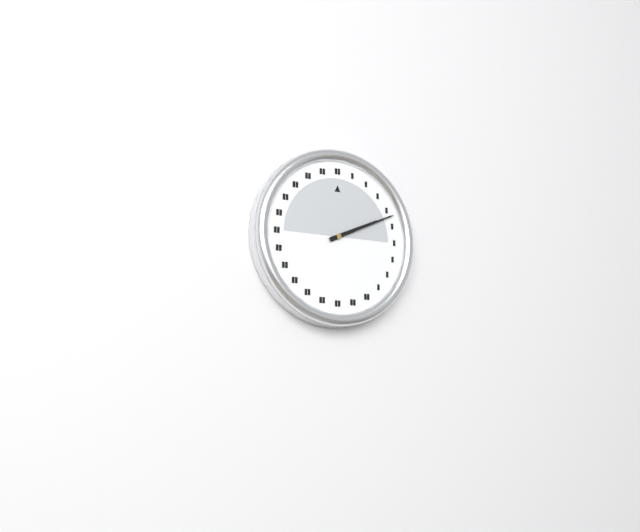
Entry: 2:11
